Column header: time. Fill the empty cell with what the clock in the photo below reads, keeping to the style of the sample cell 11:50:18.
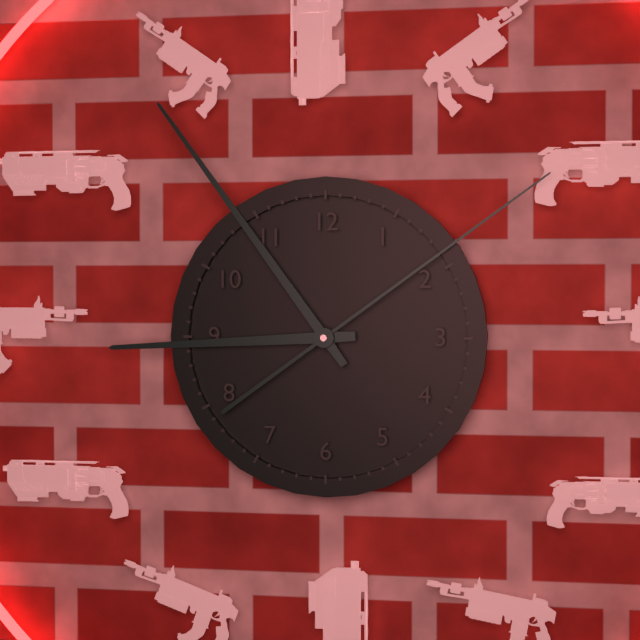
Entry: 8:54:09
